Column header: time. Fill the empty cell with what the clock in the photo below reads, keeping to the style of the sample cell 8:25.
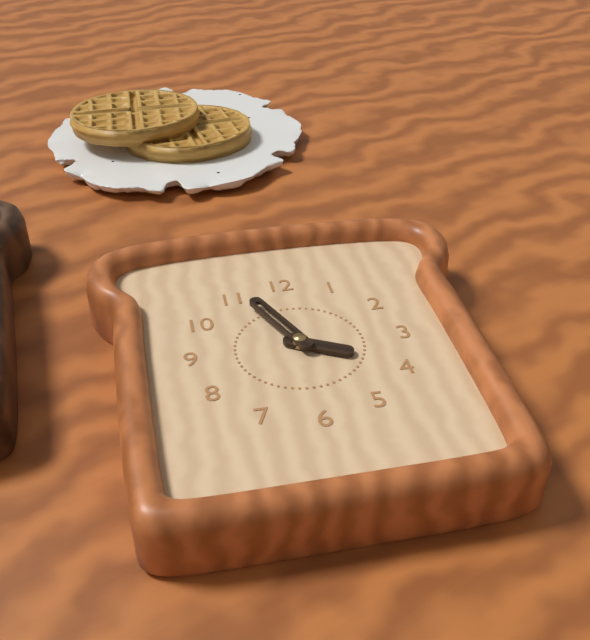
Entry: 3:56
